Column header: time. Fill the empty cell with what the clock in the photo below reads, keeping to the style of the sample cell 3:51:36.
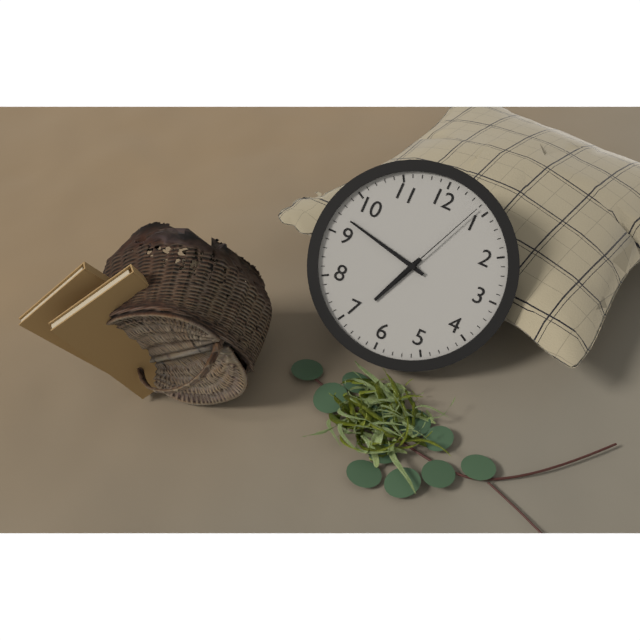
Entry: 6:47:04
